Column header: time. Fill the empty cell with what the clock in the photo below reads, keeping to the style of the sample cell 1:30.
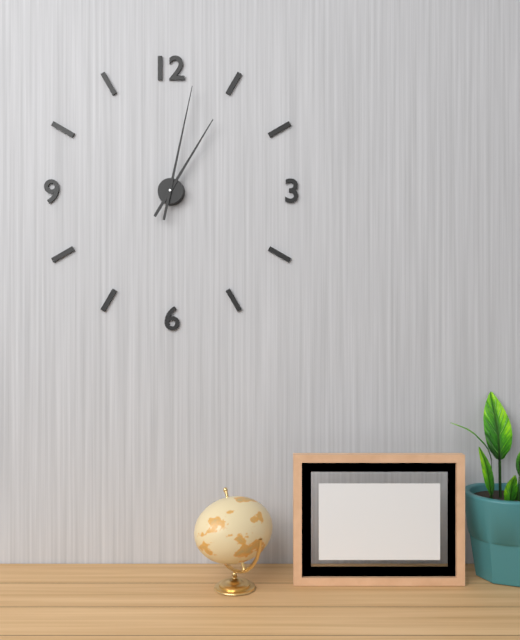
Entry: 1:02
